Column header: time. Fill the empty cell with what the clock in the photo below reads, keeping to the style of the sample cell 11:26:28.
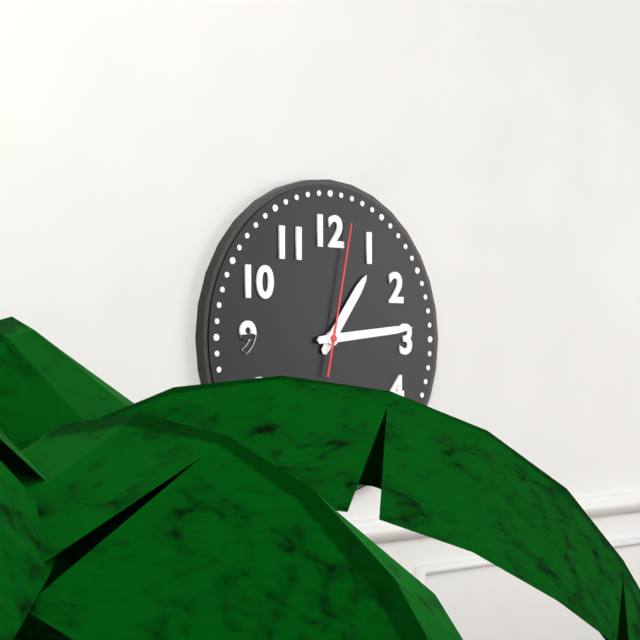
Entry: 1:14:02
